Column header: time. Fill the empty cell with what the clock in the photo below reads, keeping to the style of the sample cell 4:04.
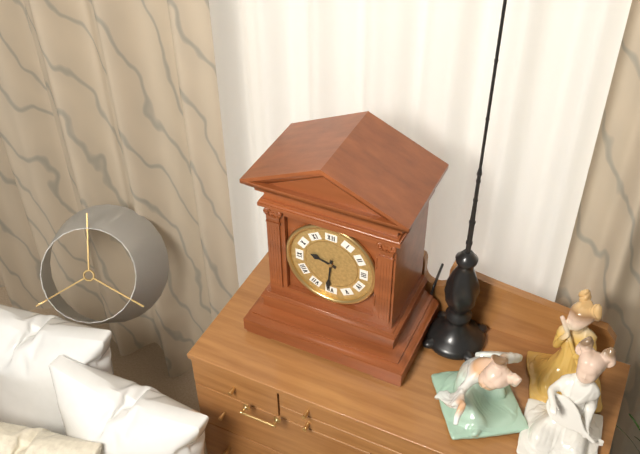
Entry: 9:31
